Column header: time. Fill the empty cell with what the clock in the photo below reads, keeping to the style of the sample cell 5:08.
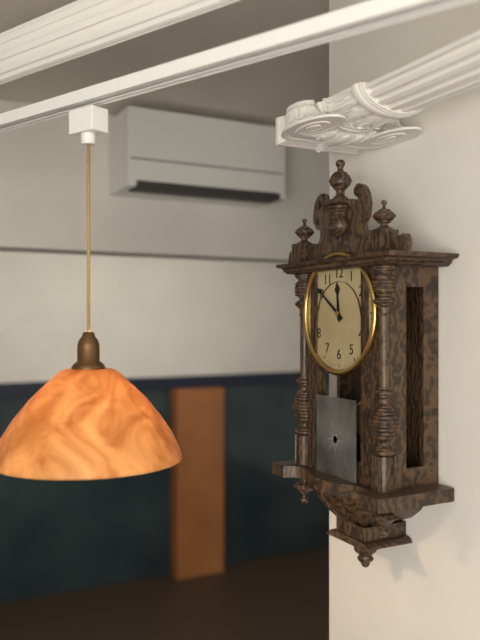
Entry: 11:51
